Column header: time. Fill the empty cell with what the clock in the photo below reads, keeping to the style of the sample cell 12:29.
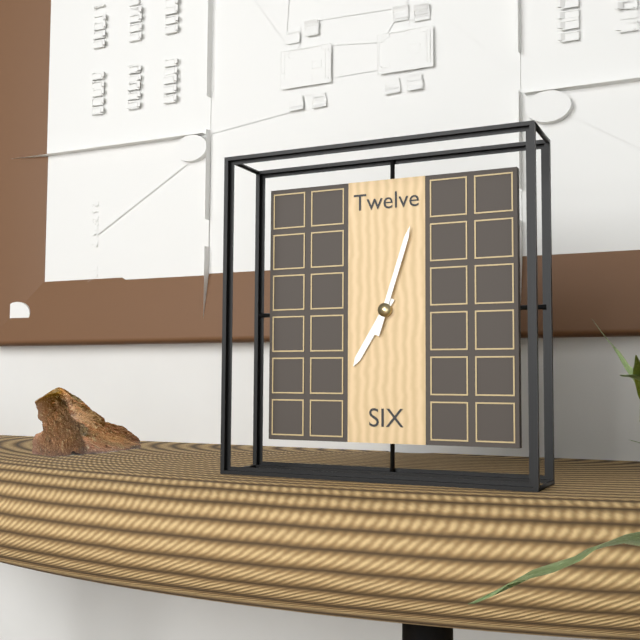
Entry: 7:03
